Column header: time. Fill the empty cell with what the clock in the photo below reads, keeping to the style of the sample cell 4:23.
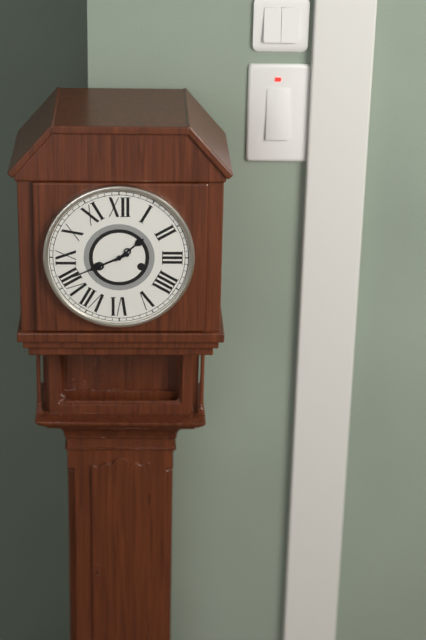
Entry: 1:41
